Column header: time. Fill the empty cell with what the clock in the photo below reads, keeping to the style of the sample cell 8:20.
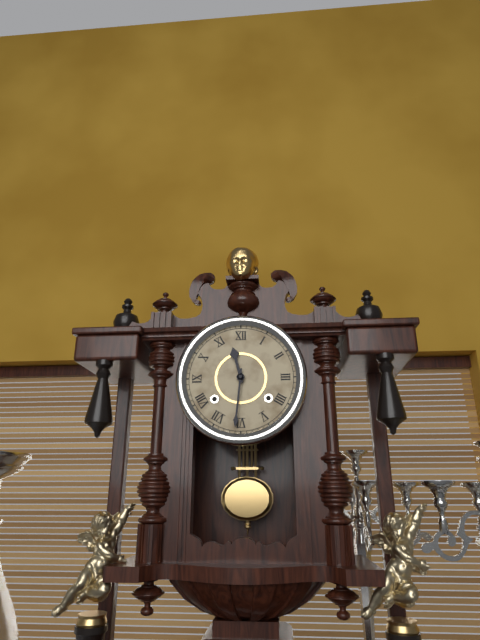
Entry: 11:31
